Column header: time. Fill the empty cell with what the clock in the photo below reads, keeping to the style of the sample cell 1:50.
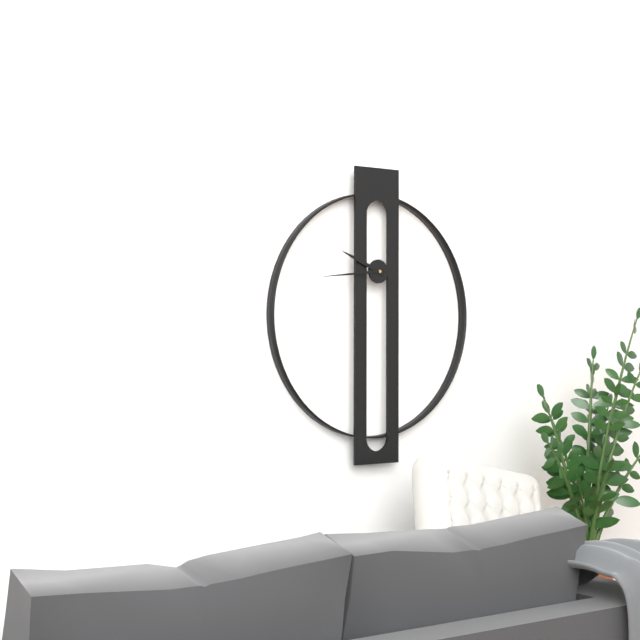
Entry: 9:44
